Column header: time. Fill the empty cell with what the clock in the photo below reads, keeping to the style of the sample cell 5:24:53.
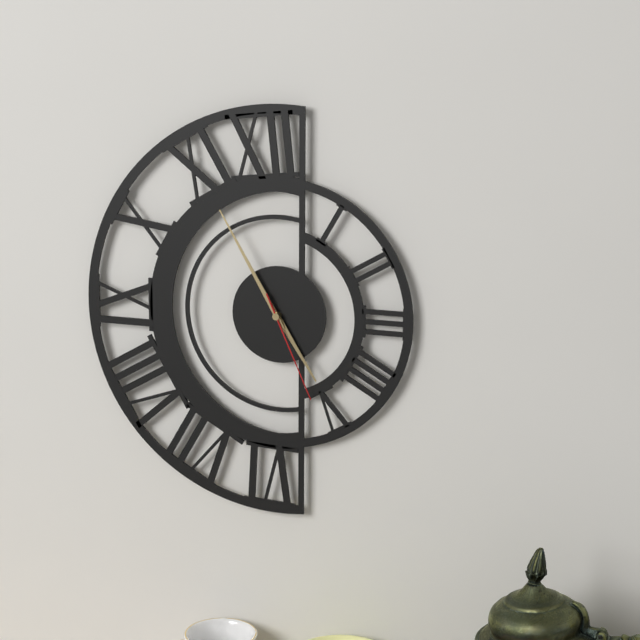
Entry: 4:55:26
